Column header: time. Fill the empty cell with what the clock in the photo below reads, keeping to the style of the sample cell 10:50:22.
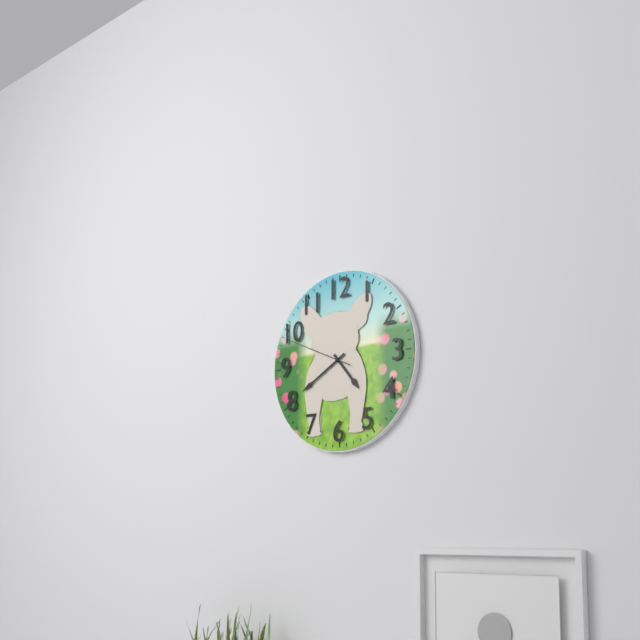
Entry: 4:40:49
